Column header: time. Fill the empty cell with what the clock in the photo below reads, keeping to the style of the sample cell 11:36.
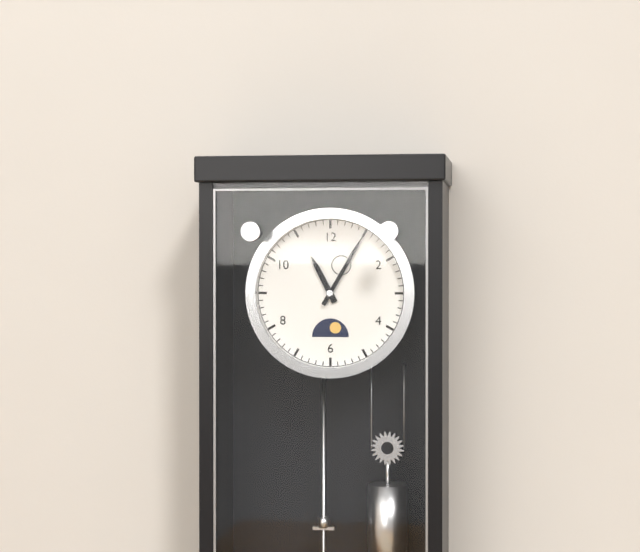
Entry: 11:05
